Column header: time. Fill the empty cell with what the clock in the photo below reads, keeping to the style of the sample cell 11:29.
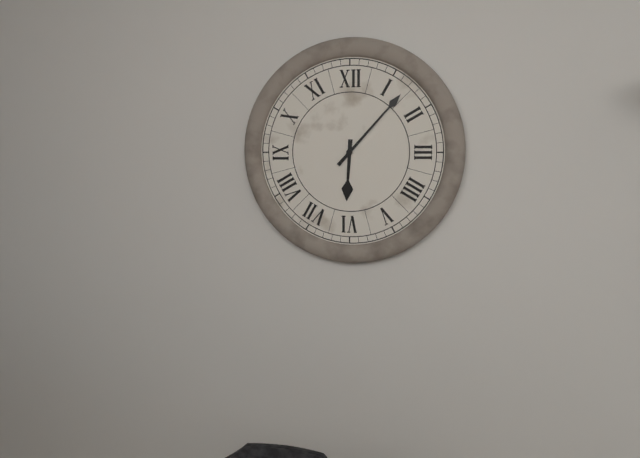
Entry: 6:07
